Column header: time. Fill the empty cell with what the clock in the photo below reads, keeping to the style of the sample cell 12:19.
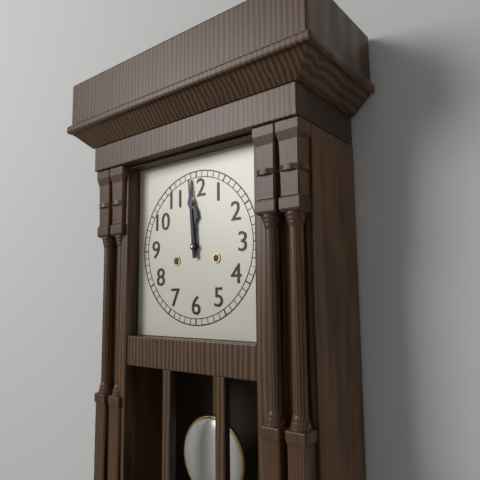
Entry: 11:59
